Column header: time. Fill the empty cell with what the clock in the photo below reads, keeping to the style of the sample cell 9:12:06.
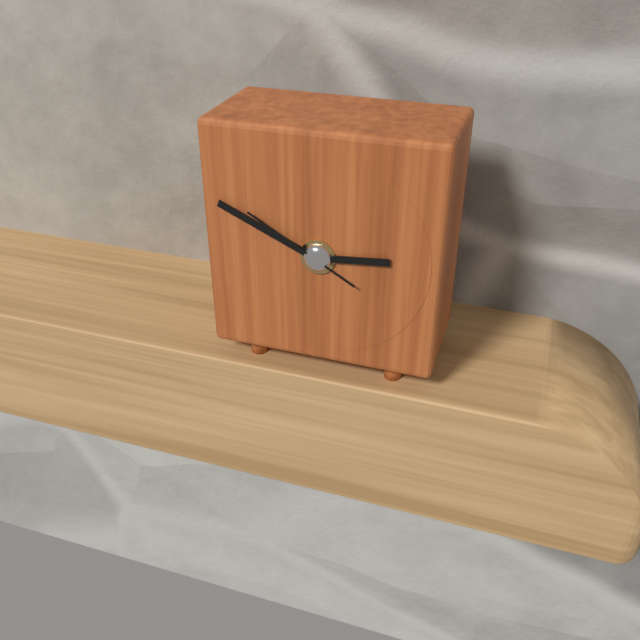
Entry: 2:49:50
